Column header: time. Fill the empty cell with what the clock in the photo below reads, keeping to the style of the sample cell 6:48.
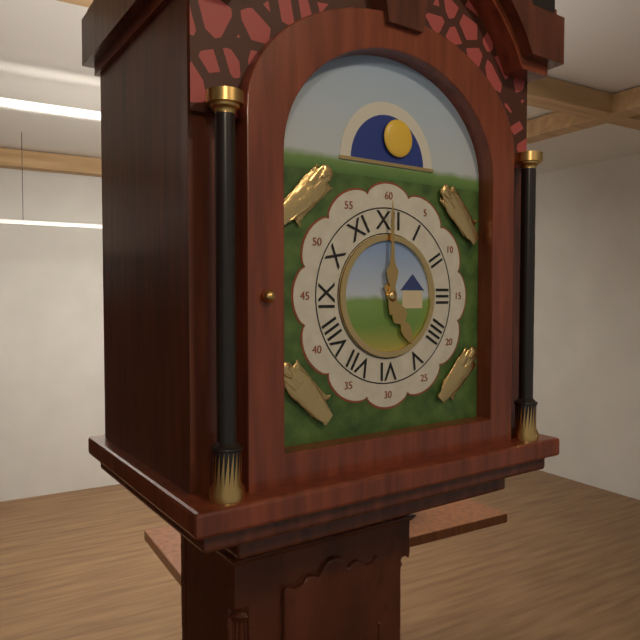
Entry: 5:00
